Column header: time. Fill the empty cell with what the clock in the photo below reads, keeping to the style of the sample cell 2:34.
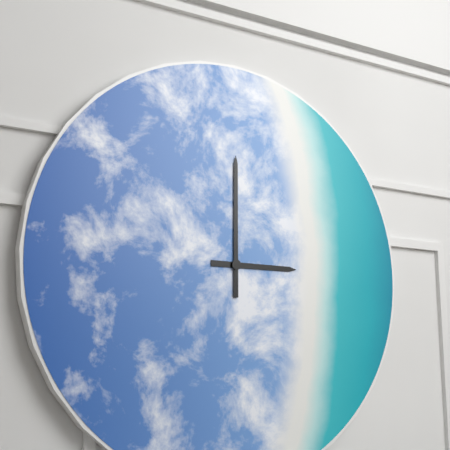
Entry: 3:00
